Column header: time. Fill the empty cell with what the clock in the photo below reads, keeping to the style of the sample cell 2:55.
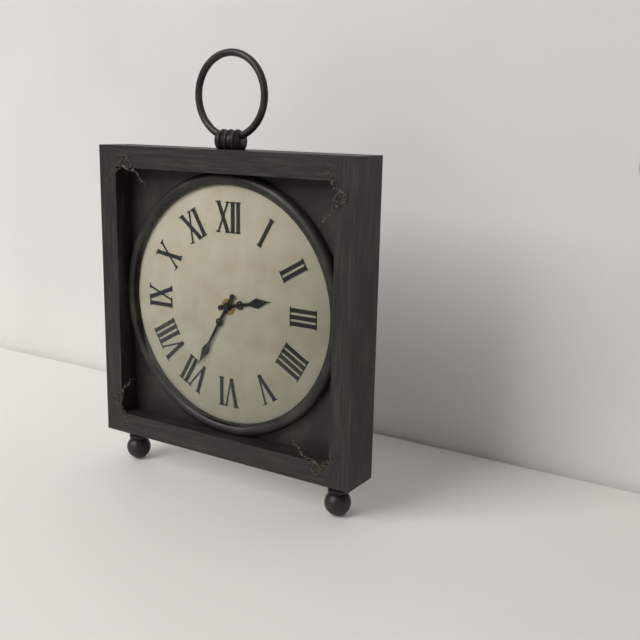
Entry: 2:35
